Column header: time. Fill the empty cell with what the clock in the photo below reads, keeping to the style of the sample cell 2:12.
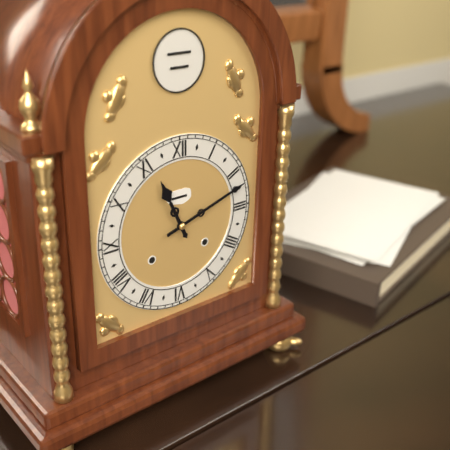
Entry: 11:12
